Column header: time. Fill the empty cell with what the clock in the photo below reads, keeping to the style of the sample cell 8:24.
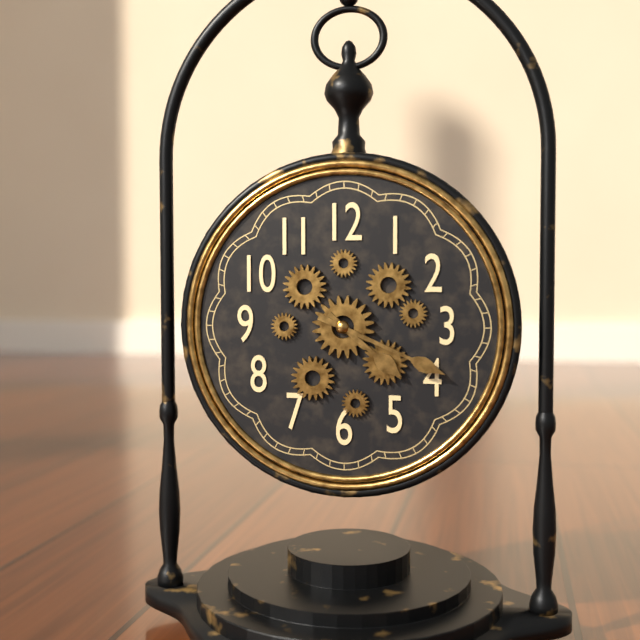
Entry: 4:19
